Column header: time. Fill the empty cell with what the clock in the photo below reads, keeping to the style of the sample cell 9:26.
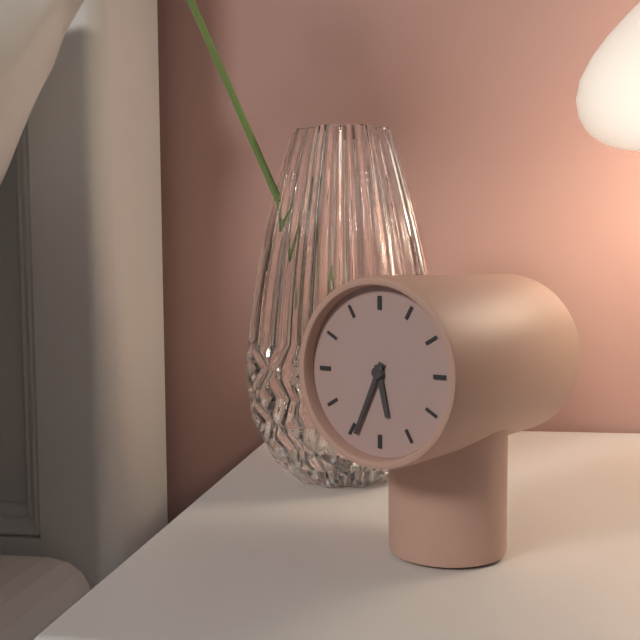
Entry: 5:34
